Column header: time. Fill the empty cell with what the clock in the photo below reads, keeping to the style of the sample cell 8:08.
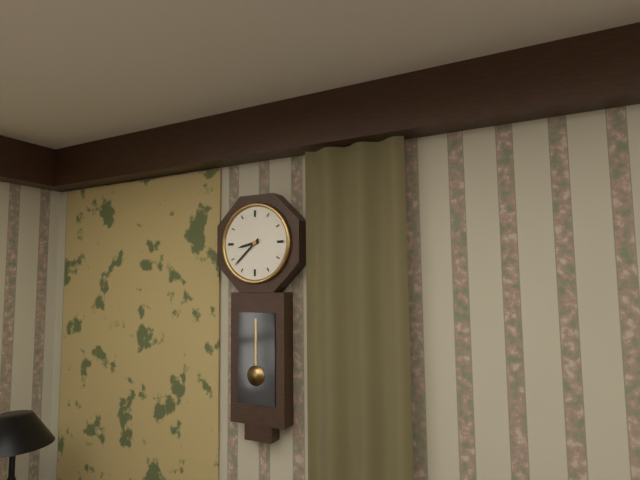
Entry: 8:38
